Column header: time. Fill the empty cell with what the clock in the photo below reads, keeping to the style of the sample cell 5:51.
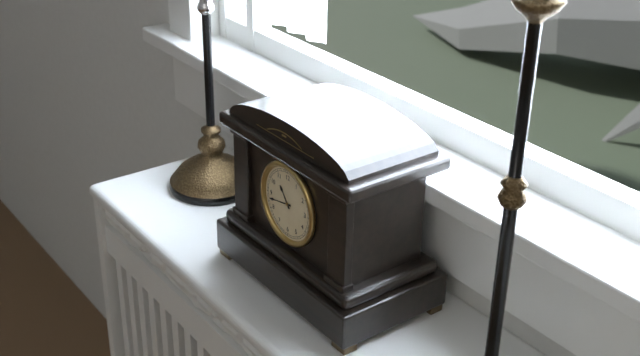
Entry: 10:43
